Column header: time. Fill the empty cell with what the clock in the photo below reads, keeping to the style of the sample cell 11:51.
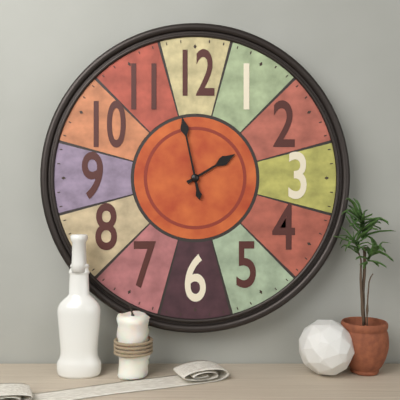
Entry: 1:58
